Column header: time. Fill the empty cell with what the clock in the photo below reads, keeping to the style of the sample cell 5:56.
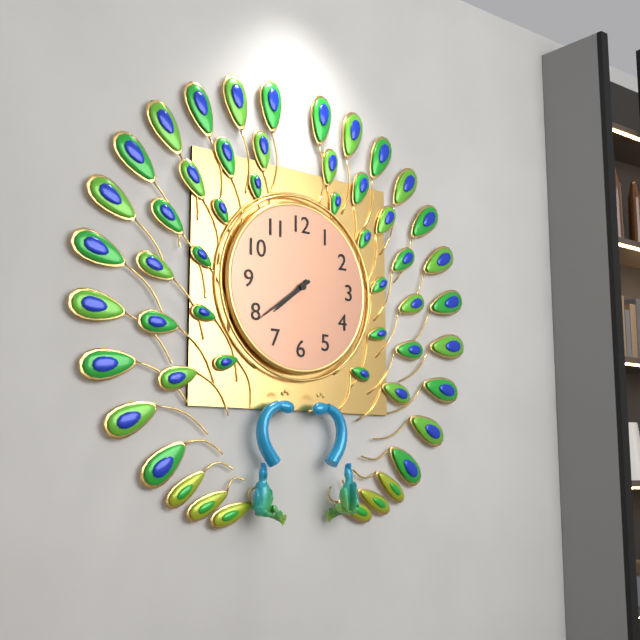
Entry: 7:39
